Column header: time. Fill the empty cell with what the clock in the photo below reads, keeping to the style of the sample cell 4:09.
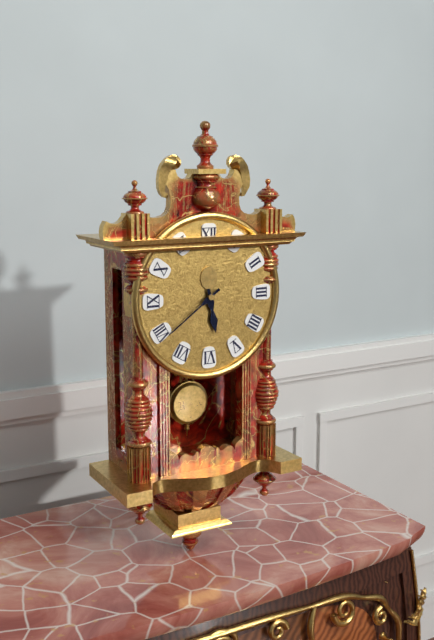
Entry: 5:39
